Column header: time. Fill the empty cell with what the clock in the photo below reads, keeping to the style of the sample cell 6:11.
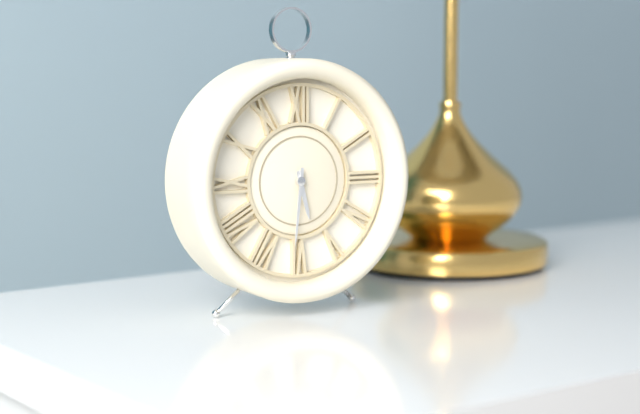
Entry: 5:31
